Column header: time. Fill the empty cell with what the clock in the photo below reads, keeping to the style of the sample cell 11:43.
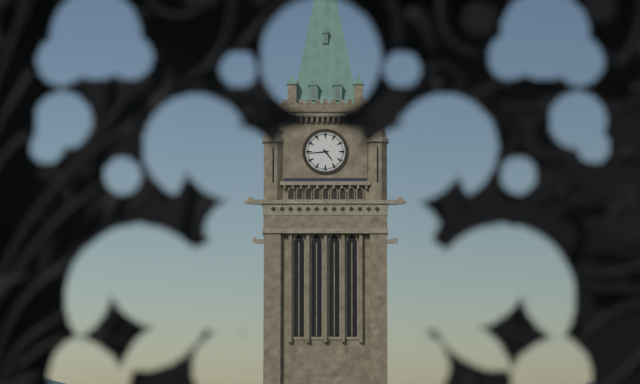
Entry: 4:44
